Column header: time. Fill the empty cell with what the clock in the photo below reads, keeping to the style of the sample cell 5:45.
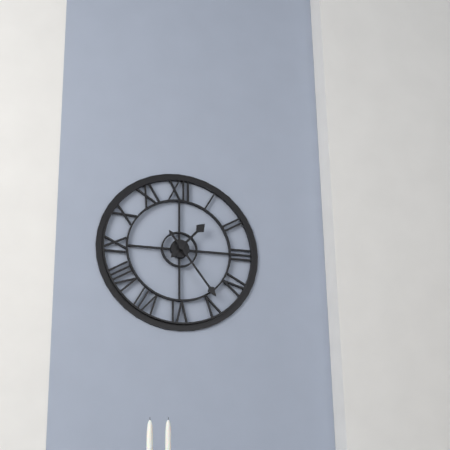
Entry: 1:24
